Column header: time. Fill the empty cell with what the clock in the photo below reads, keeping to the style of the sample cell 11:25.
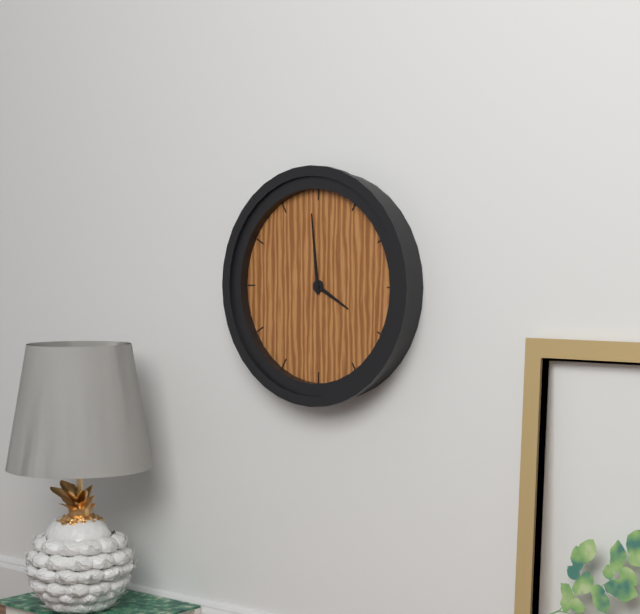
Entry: 3:59
